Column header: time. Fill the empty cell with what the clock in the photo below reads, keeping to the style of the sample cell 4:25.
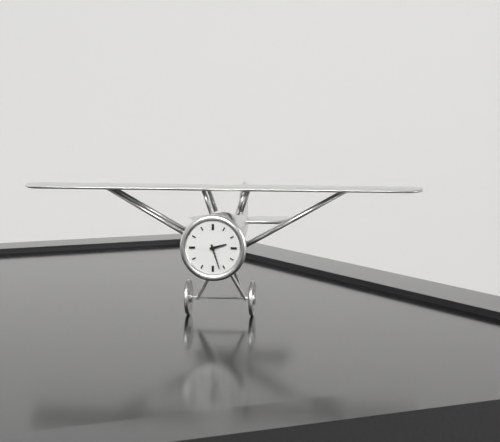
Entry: 2:27
